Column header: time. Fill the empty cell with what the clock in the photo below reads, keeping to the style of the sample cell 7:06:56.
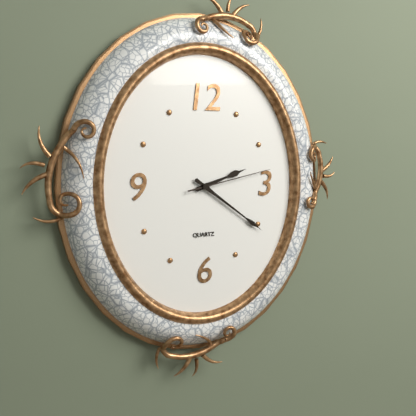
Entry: 2:21:13
